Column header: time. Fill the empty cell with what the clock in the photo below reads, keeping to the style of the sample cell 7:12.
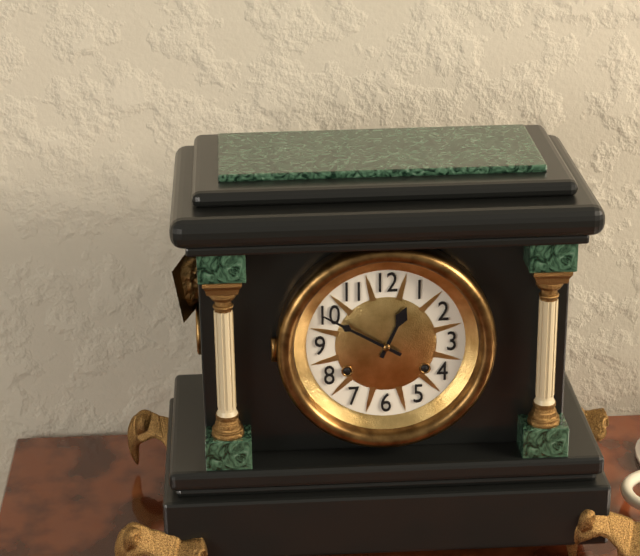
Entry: 12:50
